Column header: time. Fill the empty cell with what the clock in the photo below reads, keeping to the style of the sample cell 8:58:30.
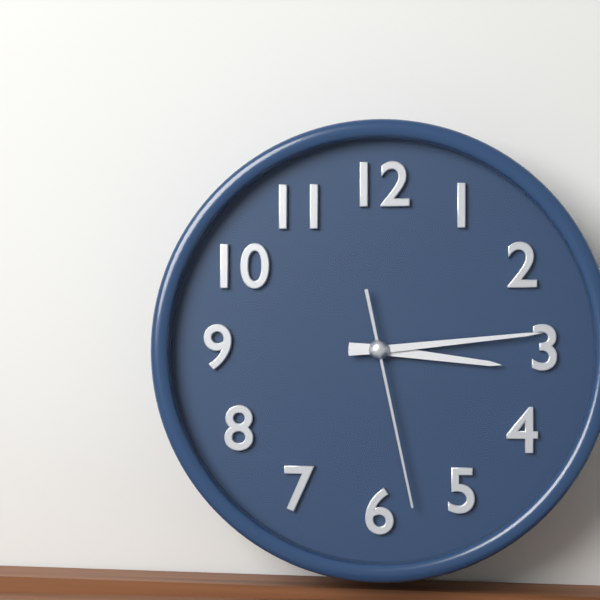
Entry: 3:14:28
